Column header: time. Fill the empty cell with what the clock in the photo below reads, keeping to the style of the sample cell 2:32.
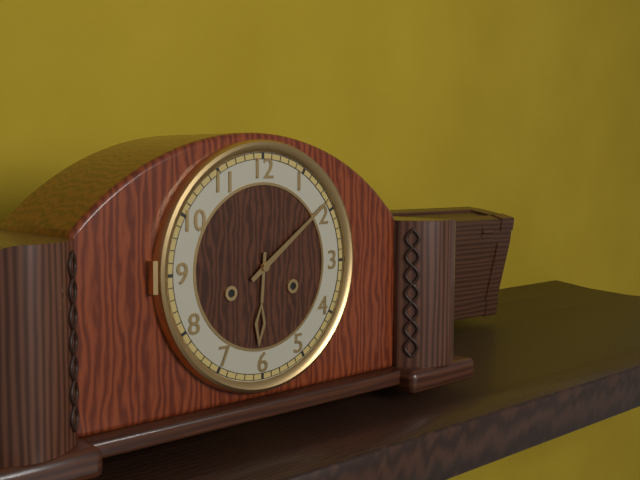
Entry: 6:09
